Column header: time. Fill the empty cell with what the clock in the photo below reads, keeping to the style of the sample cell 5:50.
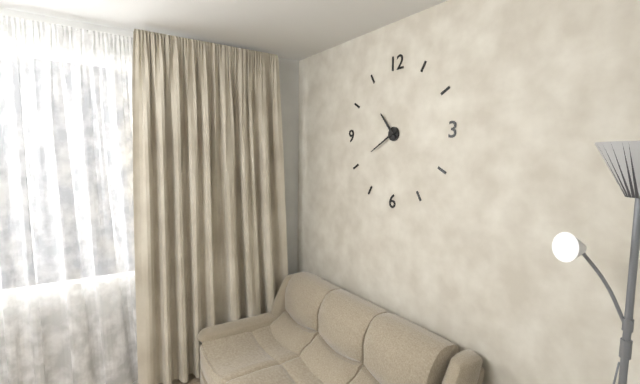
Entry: 10:40
